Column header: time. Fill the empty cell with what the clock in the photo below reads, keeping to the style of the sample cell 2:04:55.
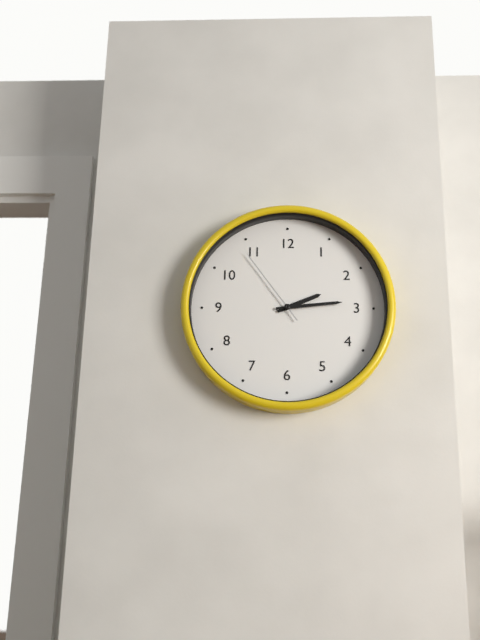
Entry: 2:14:54
